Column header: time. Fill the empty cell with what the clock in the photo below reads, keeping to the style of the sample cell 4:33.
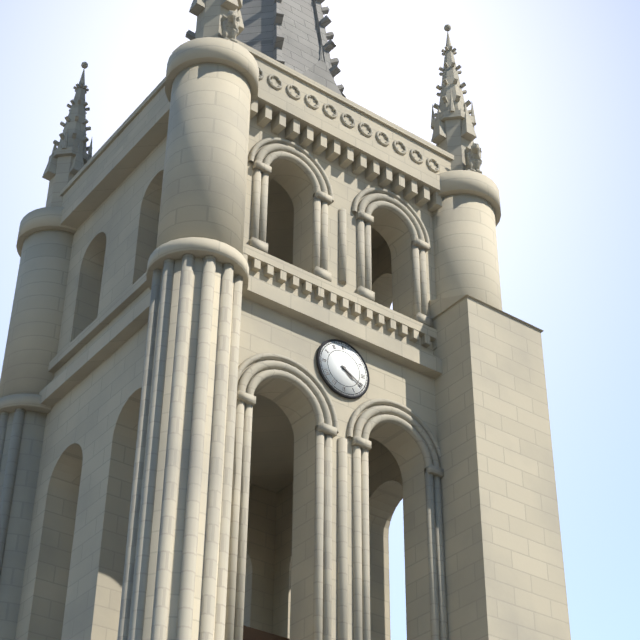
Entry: 4:20
